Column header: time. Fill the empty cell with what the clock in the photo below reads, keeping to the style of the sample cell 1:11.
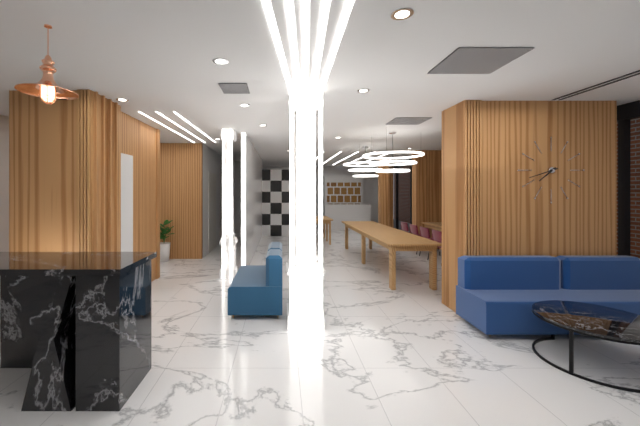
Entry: 7:42
